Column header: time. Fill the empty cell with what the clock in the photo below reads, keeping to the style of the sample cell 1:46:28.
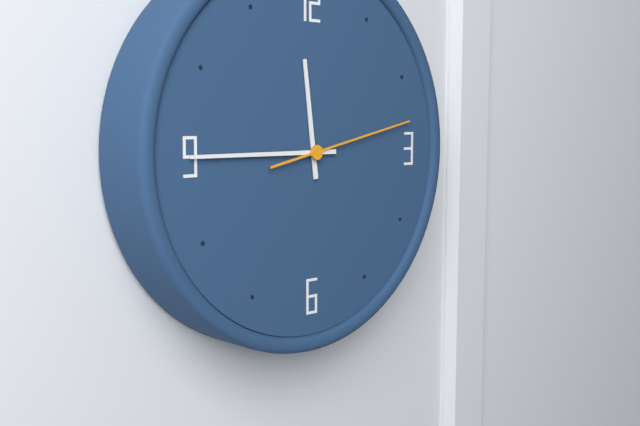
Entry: 11:45:13
